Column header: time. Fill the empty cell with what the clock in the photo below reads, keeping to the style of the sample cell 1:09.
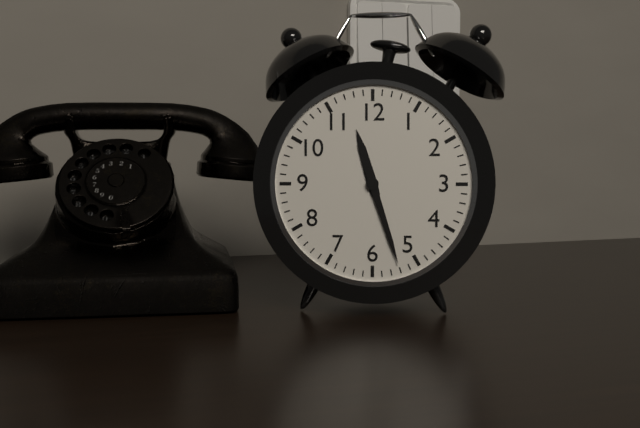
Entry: 11:27
